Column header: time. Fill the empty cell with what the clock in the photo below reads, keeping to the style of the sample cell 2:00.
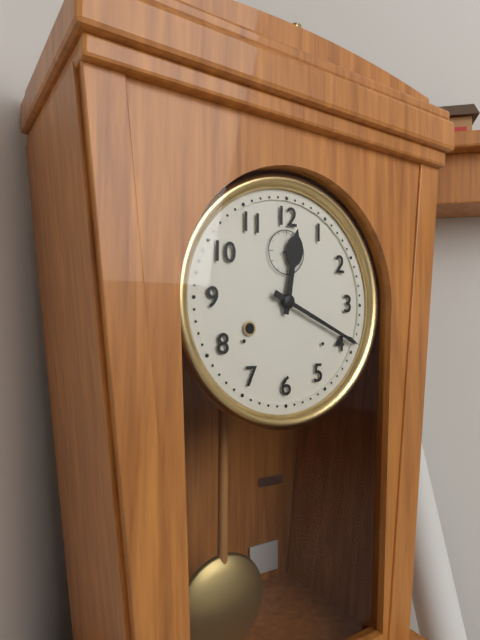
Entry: 12:19
